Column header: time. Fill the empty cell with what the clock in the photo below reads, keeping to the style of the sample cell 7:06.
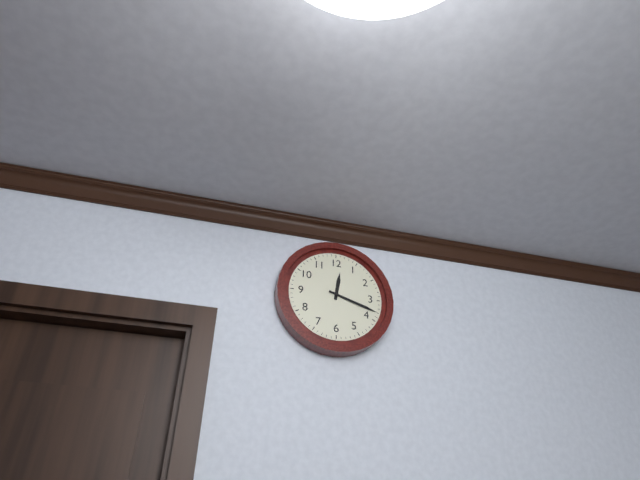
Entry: 12:18
